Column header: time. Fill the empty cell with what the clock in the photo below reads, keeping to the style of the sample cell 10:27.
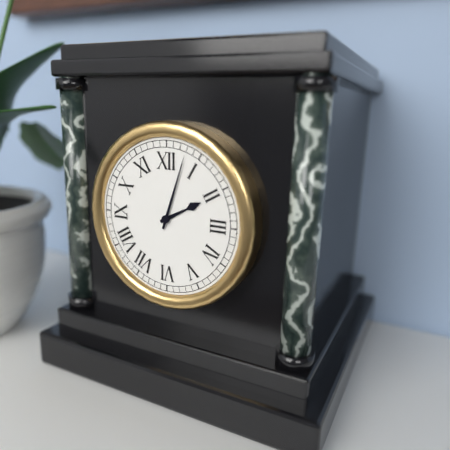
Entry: 2:03
